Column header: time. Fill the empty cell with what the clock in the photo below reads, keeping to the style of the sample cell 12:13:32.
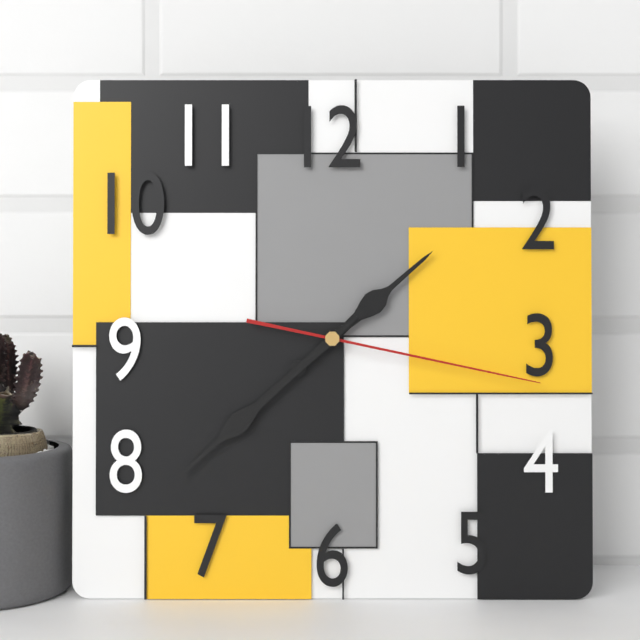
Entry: 1:38:17
